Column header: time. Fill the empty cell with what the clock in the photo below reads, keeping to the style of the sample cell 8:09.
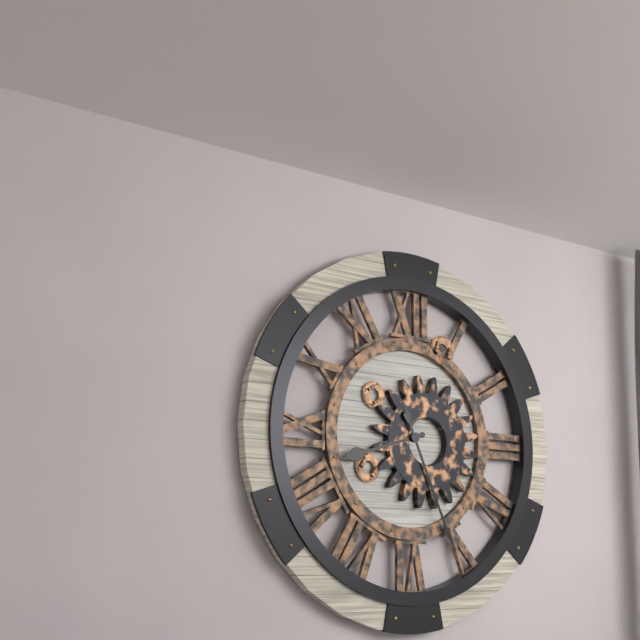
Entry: 8:26
